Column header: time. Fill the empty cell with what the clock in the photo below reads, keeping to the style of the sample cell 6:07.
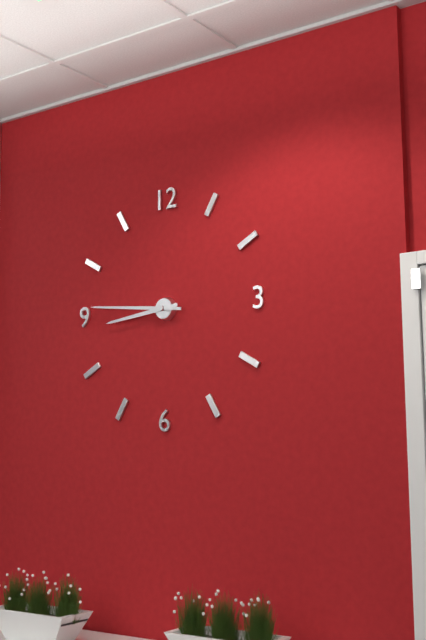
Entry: 8:46
